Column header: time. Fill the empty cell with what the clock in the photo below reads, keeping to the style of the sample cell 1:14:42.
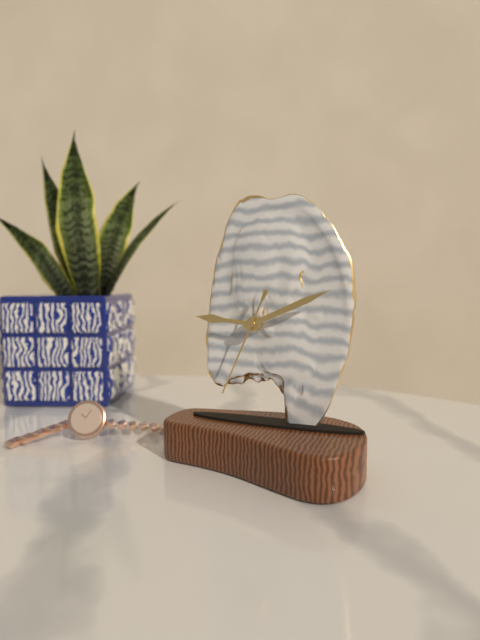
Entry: 9:11:34
